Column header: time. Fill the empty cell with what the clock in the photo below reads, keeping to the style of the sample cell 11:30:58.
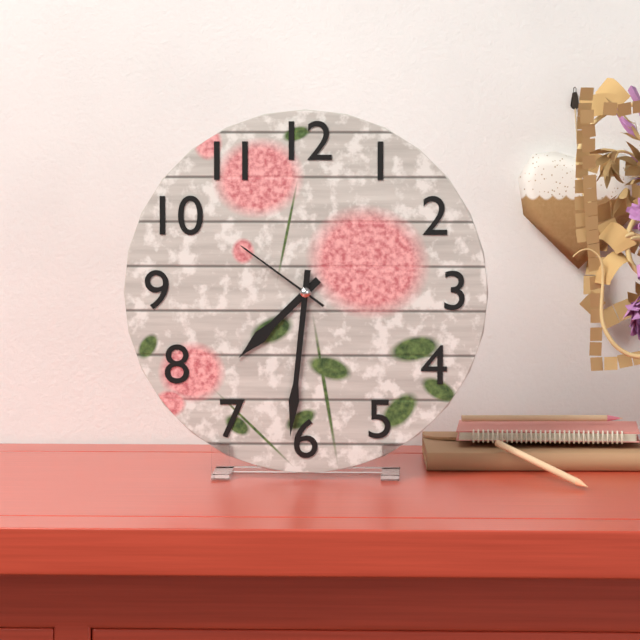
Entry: 7:31:51
